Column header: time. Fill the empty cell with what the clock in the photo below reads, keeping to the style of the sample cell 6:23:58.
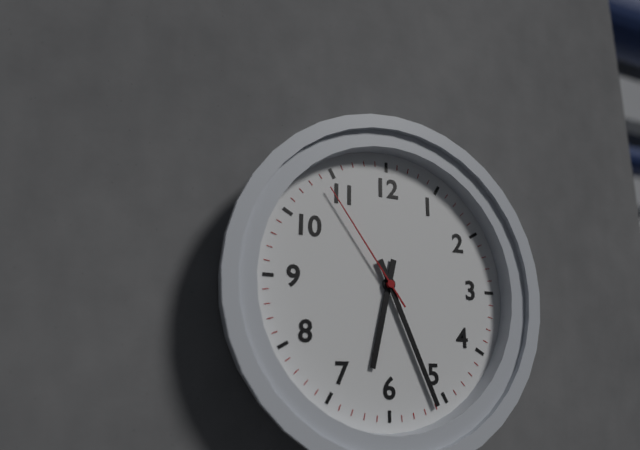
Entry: 6:26:54
